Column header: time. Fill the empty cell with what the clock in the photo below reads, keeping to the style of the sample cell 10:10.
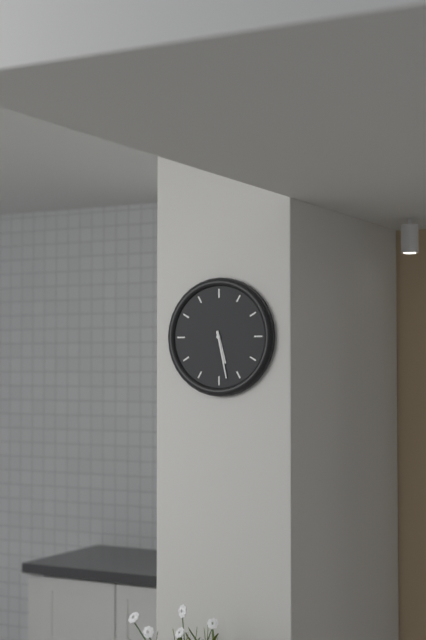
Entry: 5:28
